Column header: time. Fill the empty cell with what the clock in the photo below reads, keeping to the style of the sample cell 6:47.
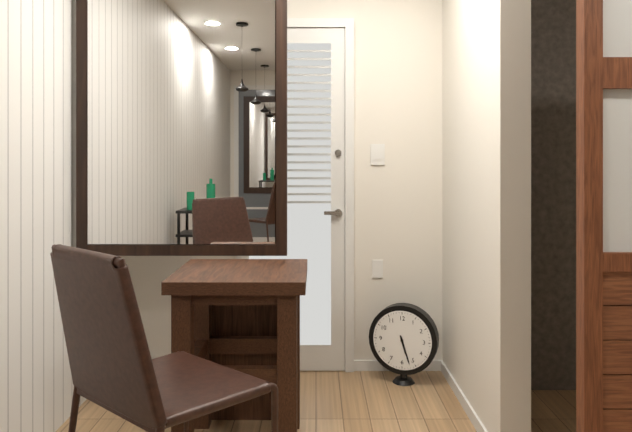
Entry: 5:27
